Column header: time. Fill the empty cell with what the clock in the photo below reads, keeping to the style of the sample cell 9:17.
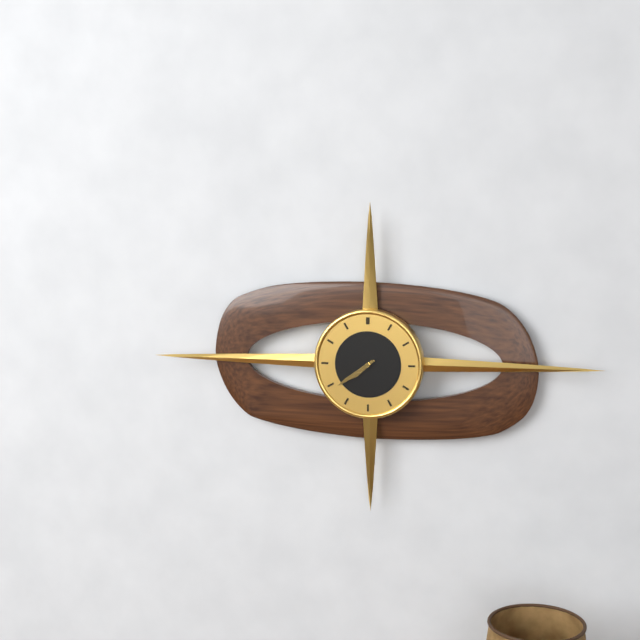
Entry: 7:39
